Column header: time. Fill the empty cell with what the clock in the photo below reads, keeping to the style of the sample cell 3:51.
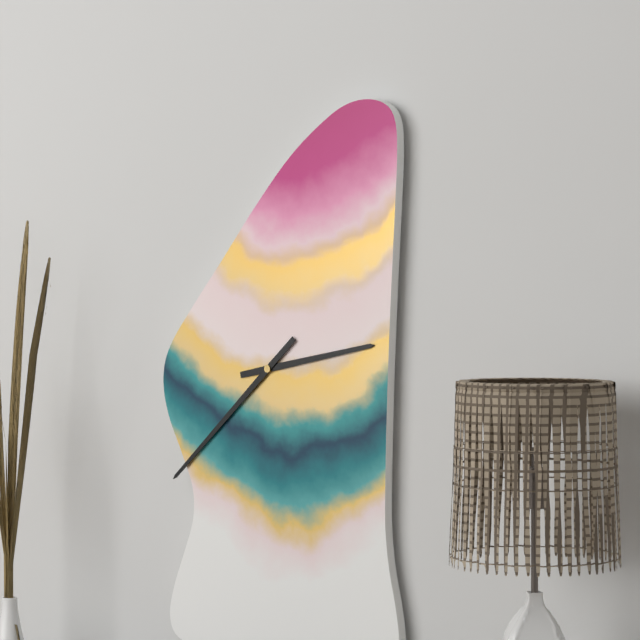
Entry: 2:38
